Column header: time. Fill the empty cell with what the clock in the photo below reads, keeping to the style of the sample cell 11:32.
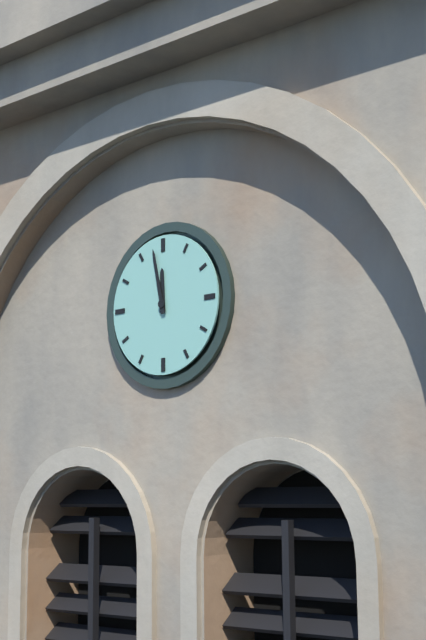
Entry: 11:58
